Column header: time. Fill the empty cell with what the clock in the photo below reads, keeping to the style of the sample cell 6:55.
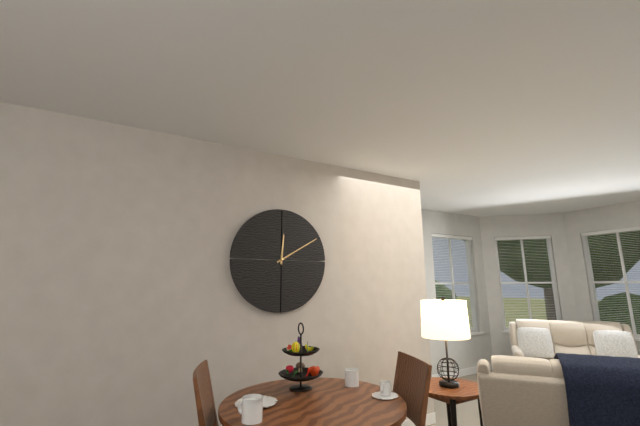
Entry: 12:10
